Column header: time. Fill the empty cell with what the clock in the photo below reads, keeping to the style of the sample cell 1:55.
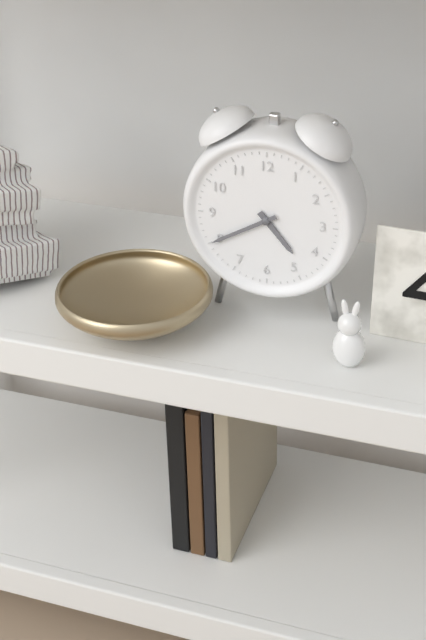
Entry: 4:40
